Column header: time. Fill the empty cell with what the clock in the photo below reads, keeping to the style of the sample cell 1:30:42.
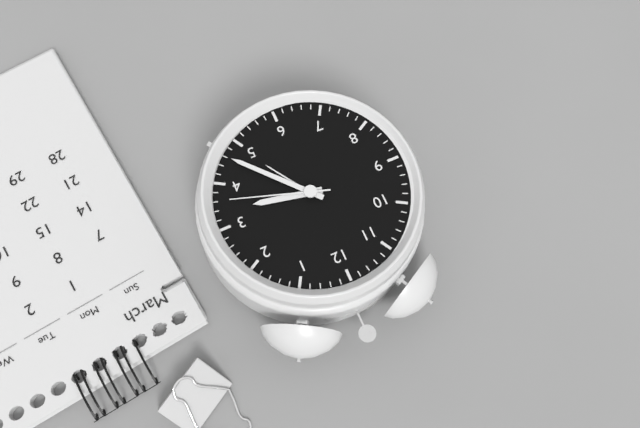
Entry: 3:23:18
